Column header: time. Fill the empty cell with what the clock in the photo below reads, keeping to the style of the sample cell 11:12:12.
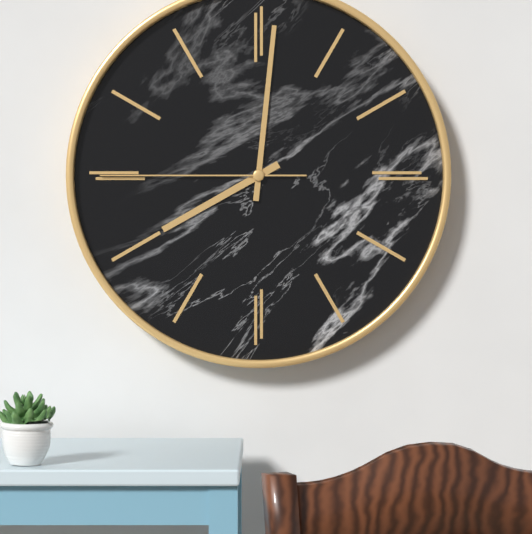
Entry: 8:01:45
